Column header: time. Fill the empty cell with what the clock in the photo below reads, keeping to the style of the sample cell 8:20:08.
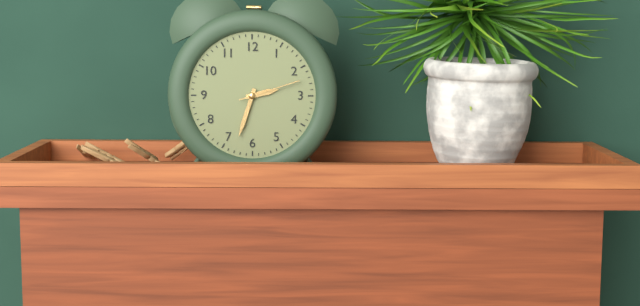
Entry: 2:33:12
